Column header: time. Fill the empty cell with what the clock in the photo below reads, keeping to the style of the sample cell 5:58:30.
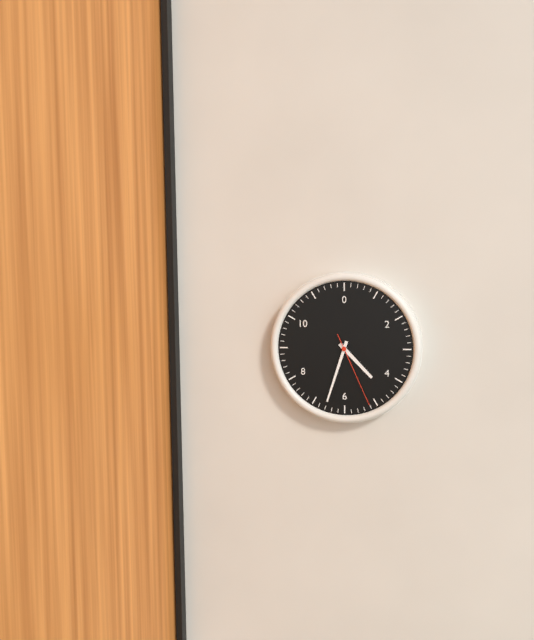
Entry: 4:33:26
